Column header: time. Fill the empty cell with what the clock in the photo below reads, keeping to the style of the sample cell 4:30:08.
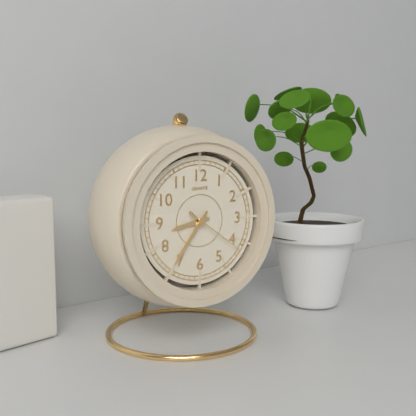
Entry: 8:36:21
